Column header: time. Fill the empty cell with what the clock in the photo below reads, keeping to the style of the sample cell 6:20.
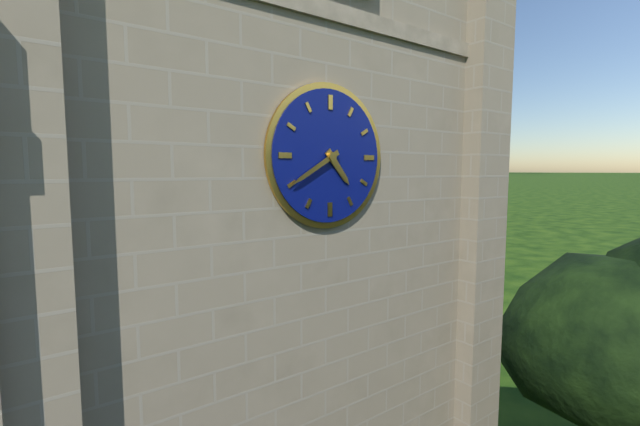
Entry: 4:40
